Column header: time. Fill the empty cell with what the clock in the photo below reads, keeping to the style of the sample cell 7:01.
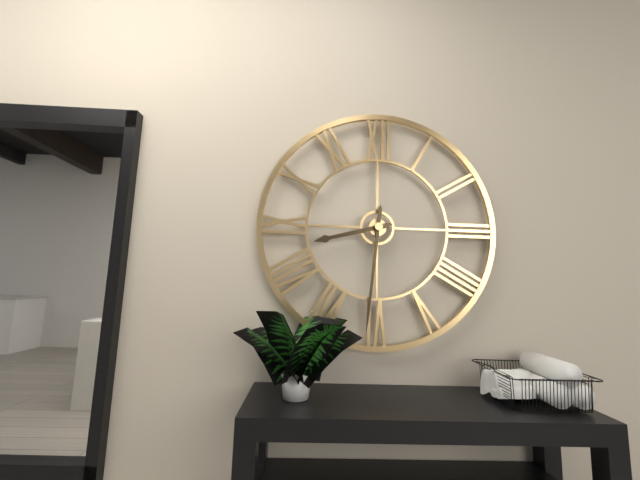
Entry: 8:31
